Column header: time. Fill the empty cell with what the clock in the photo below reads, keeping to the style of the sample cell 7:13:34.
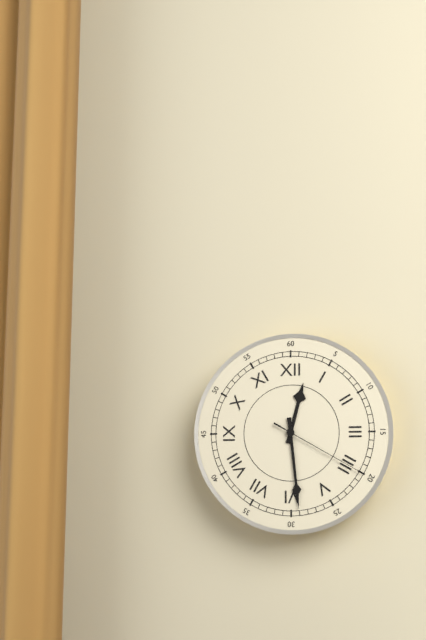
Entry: 12:29:20
